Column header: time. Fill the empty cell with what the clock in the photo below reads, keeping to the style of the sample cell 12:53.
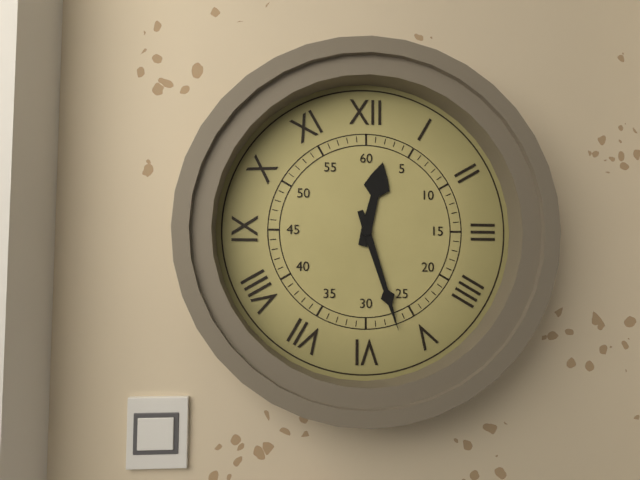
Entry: 12:27
